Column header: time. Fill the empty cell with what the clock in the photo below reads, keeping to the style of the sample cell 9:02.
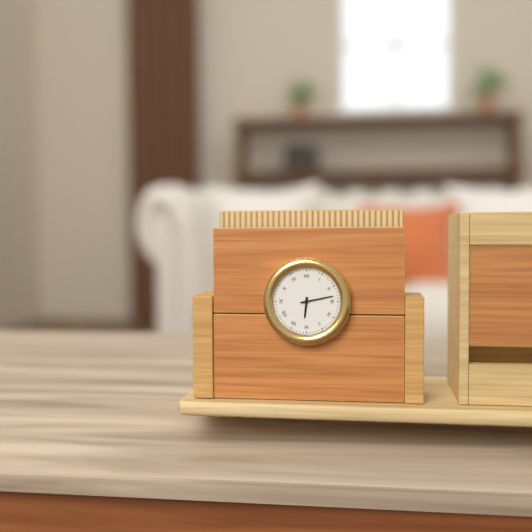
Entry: 6:13
